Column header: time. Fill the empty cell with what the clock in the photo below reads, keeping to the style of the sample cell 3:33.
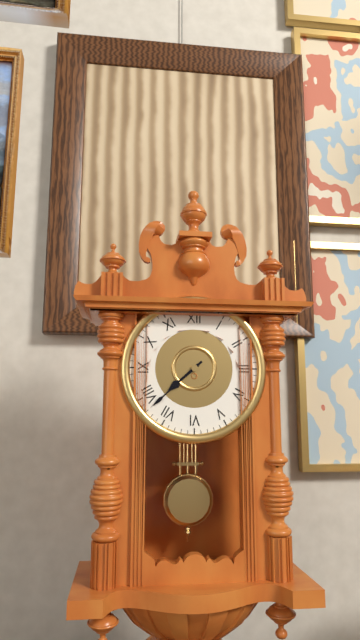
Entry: 7:38
